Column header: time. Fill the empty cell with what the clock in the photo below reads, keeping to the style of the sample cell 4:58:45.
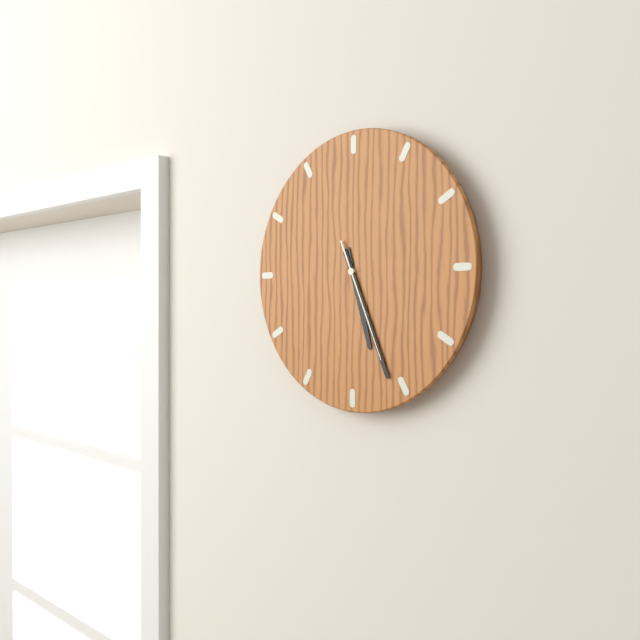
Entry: 5:26:26
